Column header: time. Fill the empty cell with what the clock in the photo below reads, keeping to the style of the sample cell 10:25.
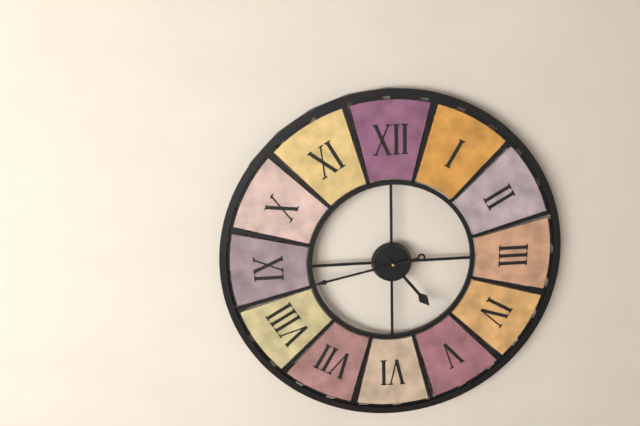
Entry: 4:43
